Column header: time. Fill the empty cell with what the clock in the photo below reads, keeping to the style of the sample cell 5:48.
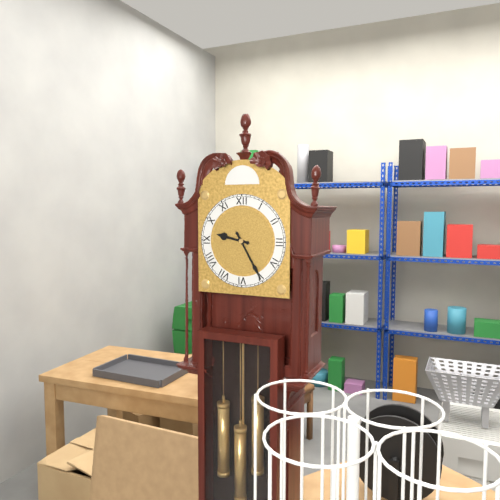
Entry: 9:25
